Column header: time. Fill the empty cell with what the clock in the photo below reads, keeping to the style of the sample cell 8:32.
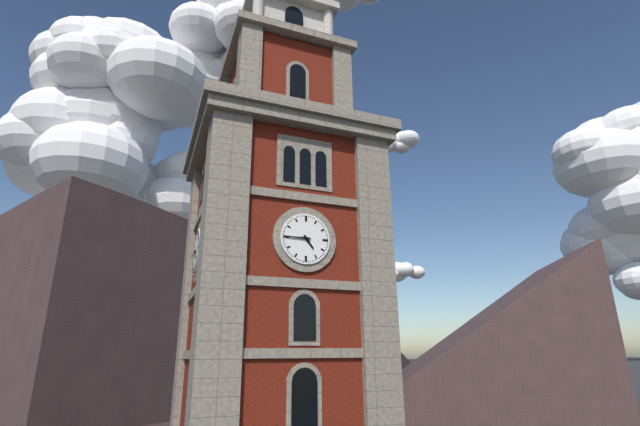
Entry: 4:45
